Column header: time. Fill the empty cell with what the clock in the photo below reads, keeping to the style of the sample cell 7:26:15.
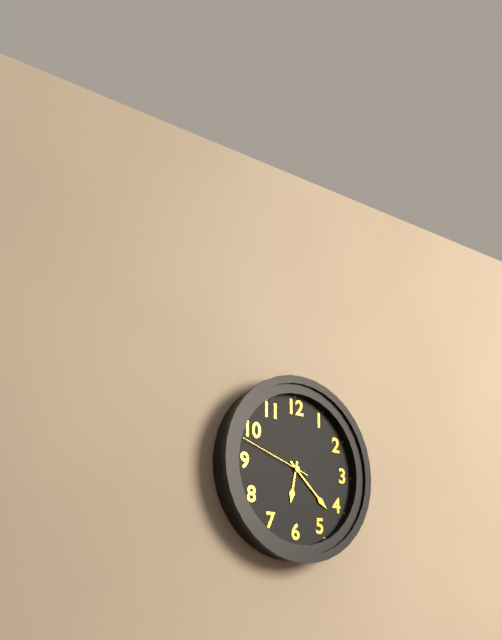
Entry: 6:22:48
